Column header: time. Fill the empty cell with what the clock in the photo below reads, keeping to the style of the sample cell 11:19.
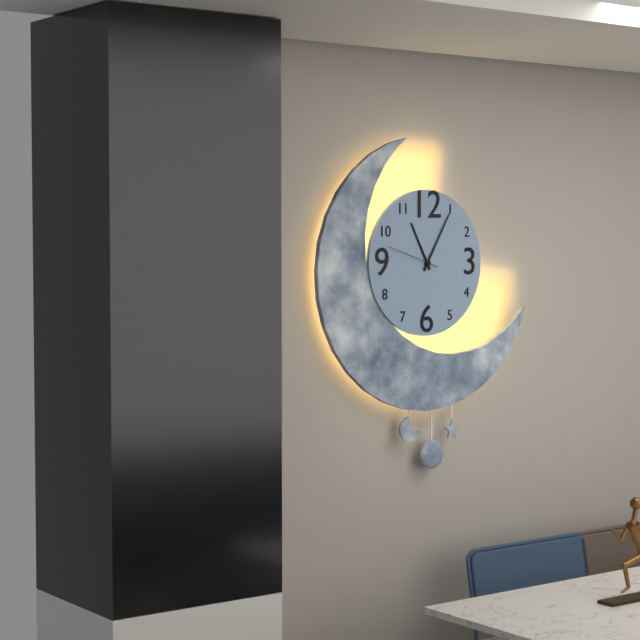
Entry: 11:05
